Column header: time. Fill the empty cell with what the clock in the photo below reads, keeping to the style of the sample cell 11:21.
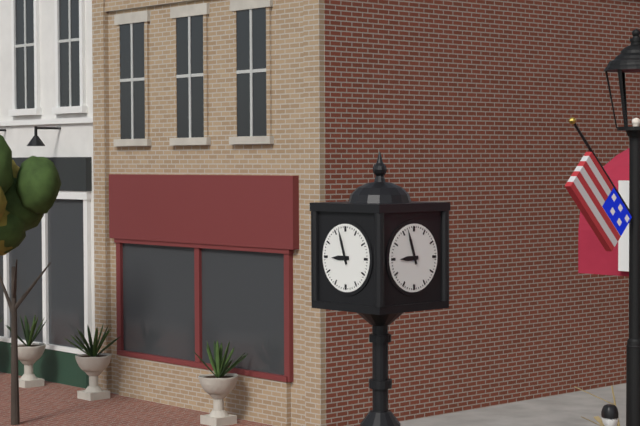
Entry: 8:57
